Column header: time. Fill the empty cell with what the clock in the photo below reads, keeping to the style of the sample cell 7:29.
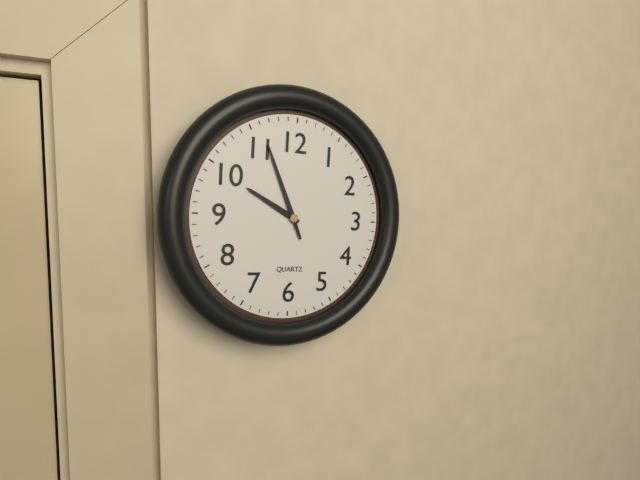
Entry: 9:56
